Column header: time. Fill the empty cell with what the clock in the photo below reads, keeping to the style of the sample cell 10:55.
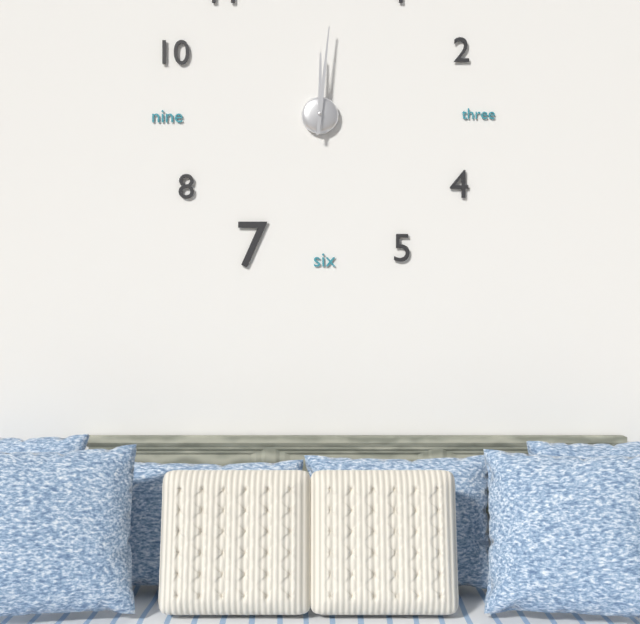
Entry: 12:01
